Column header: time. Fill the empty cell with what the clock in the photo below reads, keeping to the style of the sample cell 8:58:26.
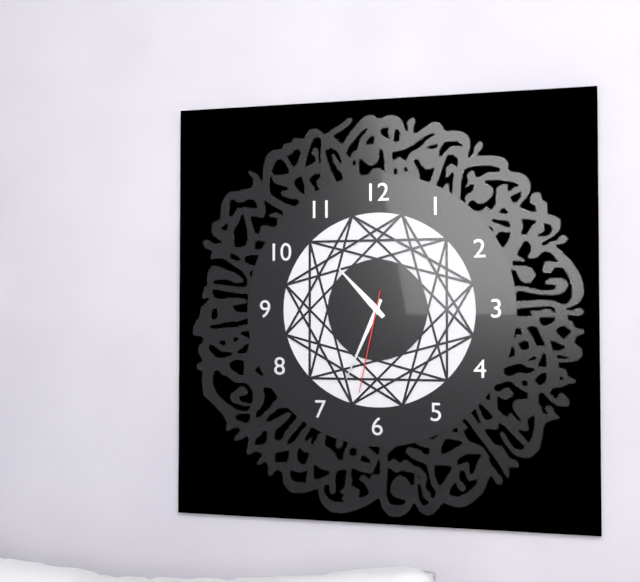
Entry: 10:34:32
